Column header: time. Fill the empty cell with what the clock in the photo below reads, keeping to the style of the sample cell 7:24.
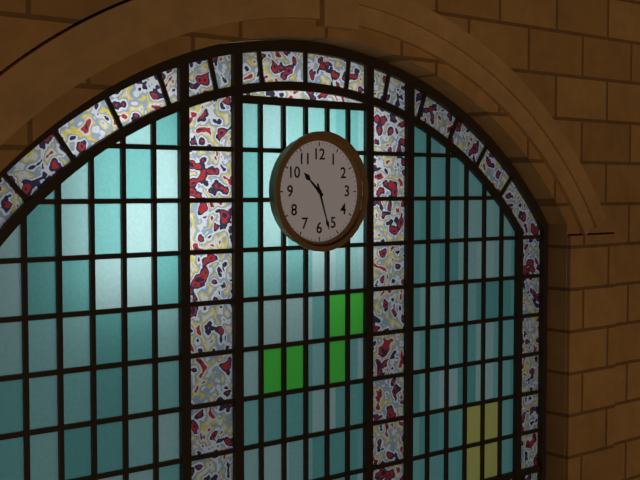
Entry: 10:27
